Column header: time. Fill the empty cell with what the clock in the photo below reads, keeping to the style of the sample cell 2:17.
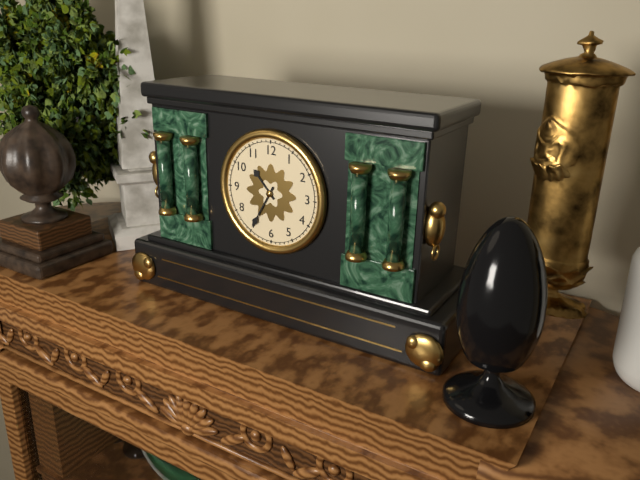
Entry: 10:35
